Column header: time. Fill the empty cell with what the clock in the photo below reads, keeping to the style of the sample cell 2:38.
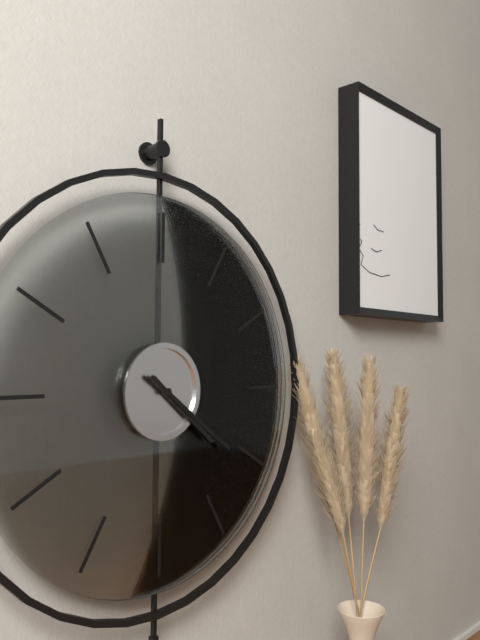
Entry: 4:21
